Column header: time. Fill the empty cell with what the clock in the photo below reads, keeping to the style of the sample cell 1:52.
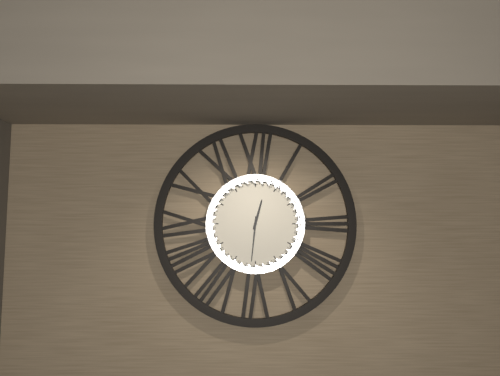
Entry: 12:31
